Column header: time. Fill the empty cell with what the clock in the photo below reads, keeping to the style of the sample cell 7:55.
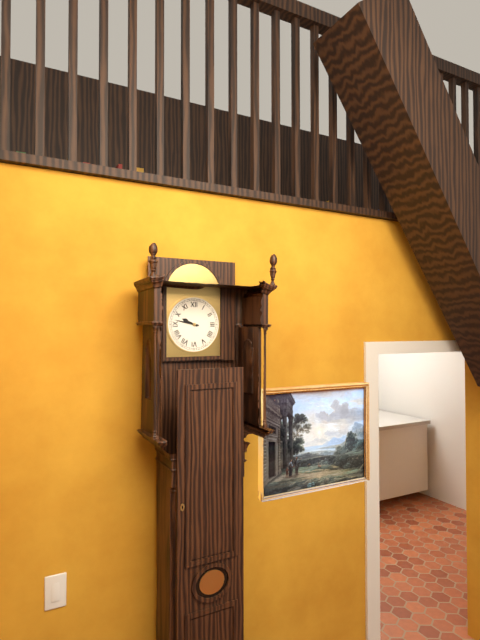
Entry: 9:47
